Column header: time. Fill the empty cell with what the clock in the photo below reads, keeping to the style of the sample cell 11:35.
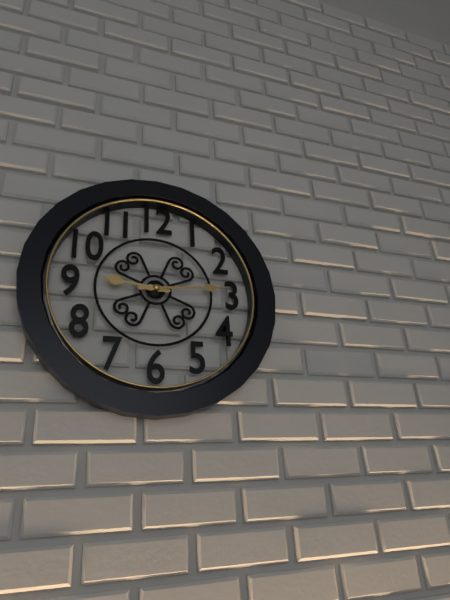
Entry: 9:14
